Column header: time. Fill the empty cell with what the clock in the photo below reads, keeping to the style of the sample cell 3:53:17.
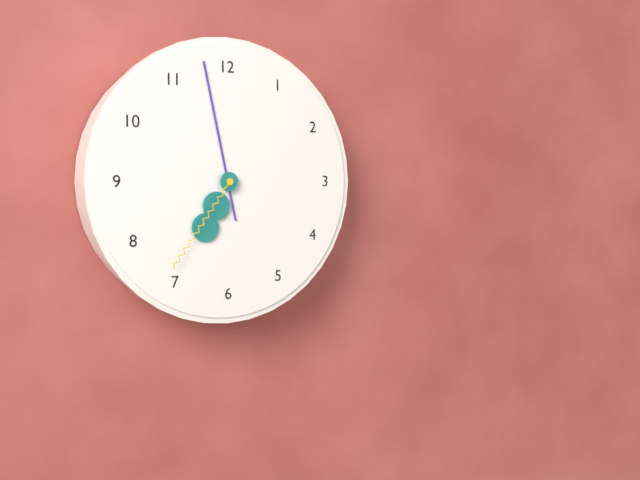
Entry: 6:58:36
